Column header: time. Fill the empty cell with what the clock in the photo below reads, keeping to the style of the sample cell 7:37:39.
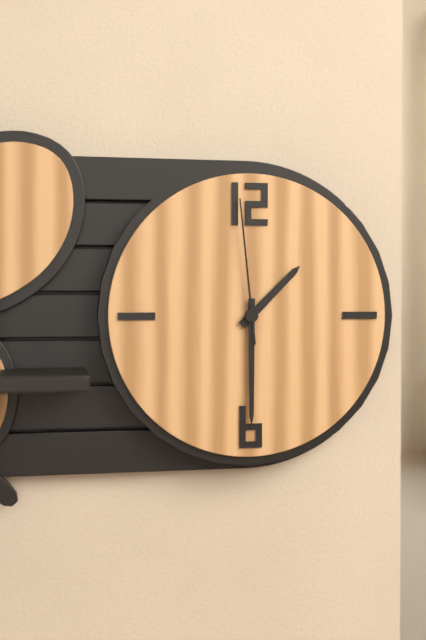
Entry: 1:30:59
